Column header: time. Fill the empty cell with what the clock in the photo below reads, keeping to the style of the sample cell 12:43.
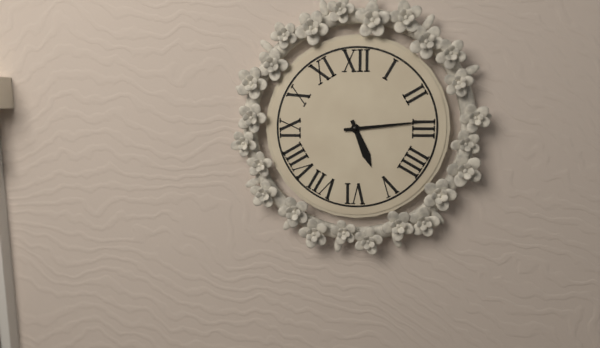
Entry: 5:14
